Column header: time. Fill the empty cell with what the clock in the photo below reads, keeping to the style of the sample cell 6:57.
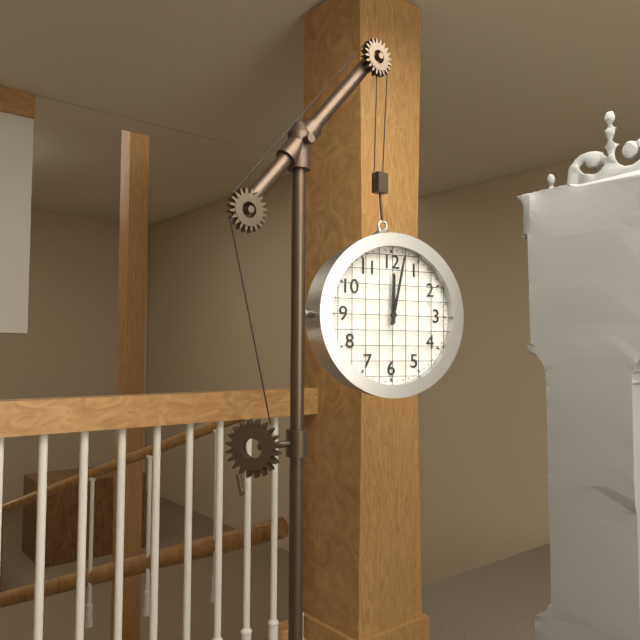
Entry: 12:02
